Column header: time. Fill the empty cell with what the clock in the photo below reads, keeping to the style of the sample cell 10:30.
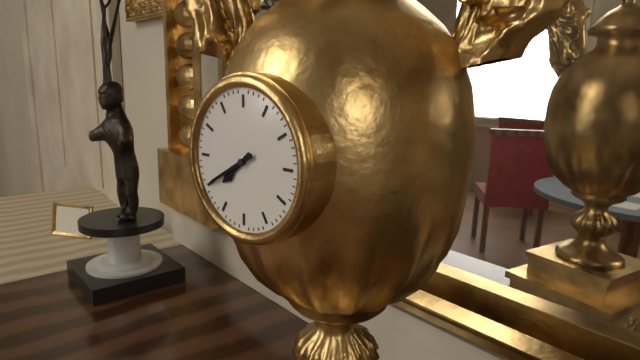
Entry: 7:40
